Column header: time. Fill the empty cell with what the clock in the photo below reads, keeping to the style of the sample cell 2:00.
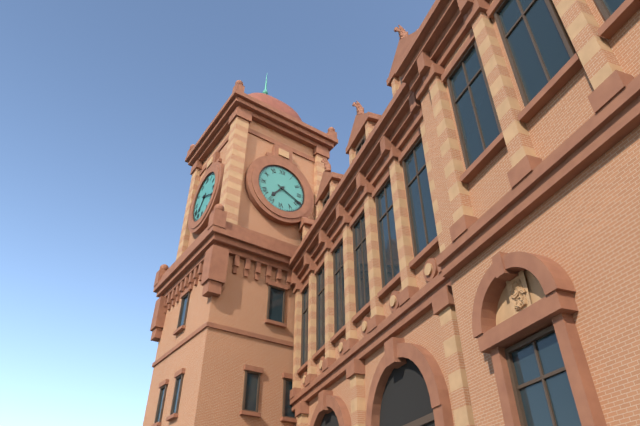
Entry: 7:19
